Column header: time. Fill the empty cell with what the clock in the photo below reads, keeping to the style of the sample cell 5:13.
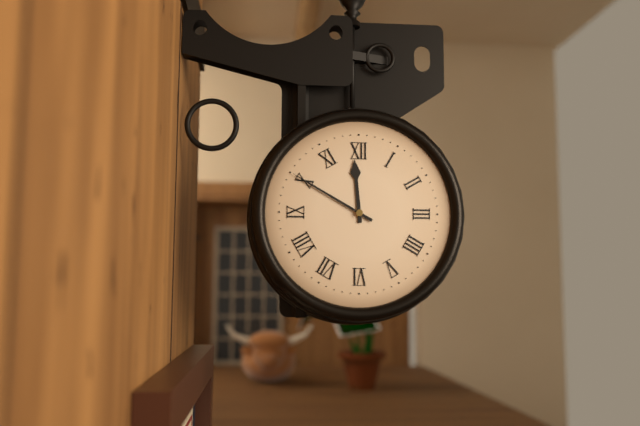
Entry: 11:50
